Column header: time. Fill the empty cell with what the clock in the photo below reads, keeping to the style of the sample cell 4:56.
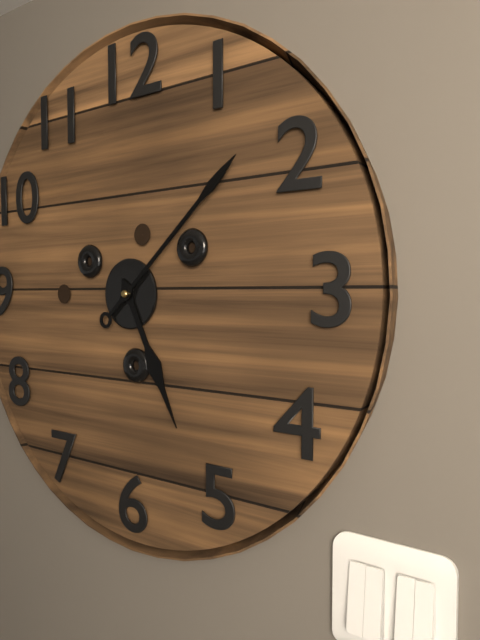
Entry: 5:08
